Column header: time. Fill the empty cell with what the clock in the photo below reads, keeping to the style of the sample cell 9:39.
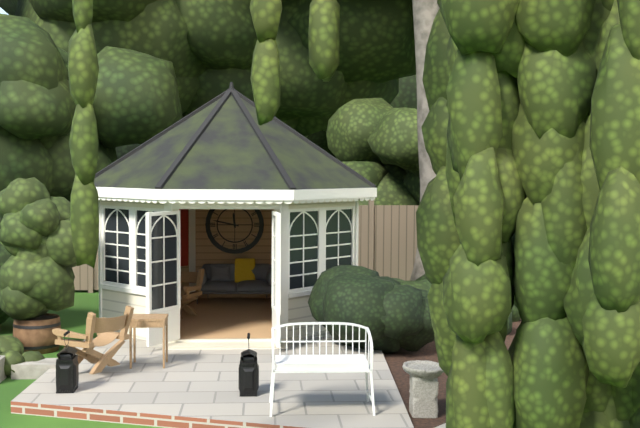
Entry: 11:47
